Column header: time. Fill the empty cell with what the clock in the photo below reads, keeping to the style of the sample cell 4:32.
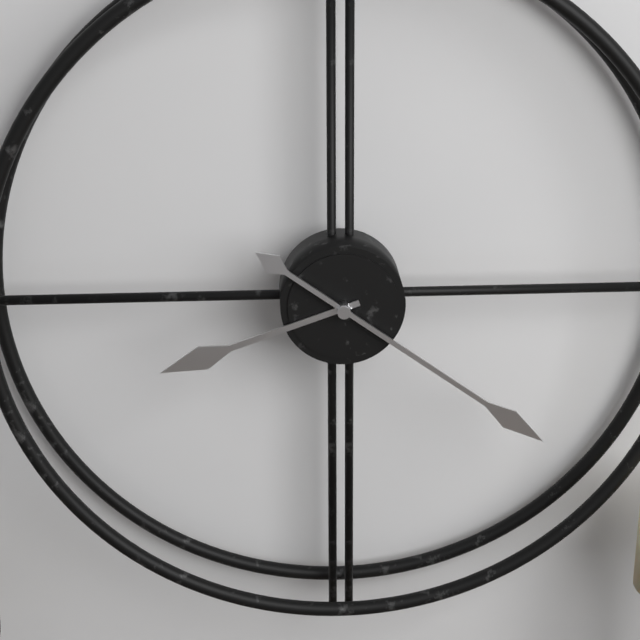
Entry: 8:21
